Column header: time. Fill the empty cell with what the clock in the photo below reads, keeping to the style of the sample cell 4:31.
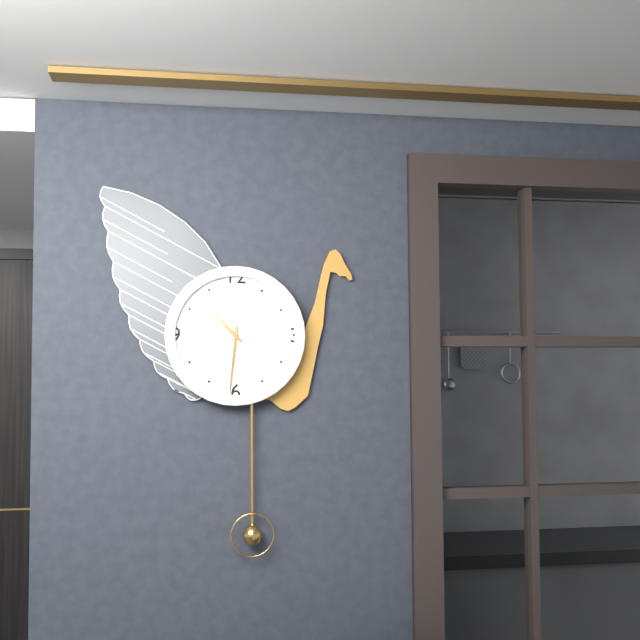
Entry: 10:31
